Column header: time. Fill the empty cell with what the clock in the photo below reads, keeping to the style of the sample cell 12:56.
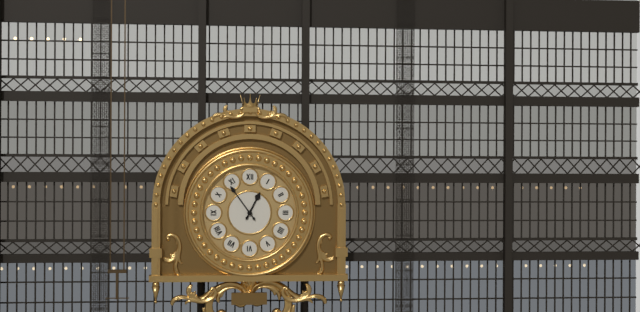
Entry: 12:54
